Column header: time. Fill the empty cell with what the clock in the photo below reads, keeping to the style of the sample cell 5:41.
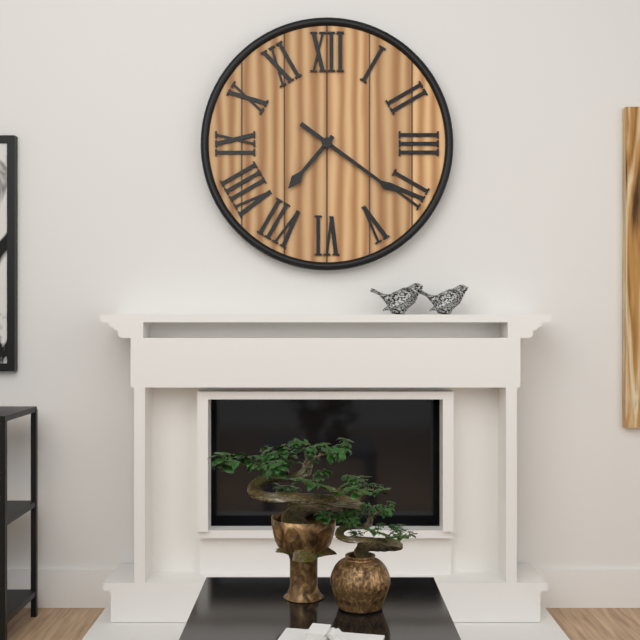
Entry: 7:21
